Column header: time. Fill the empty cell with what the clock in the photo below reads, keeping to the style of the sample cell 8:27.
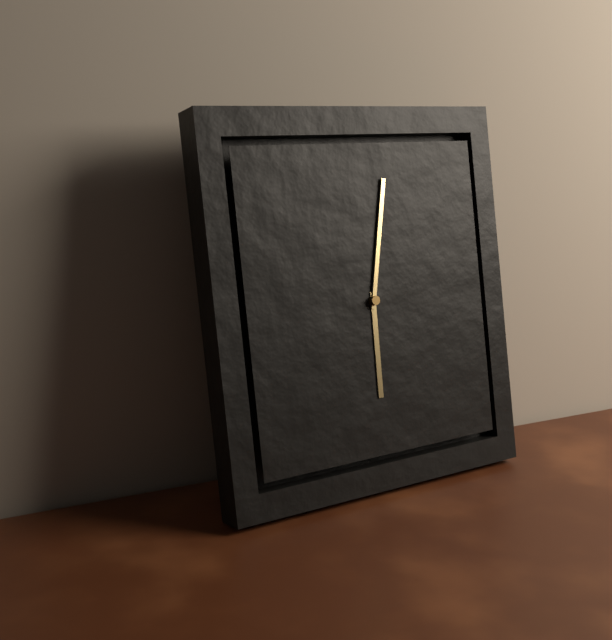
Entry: 6:02
